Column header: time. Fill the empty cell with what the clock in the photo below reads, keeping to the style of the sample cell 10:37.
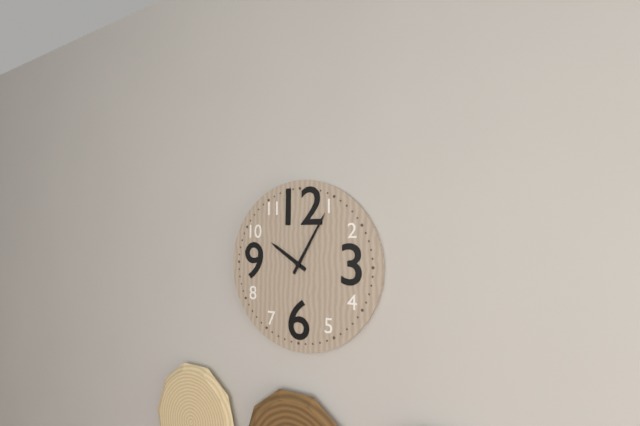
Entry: 10:05
